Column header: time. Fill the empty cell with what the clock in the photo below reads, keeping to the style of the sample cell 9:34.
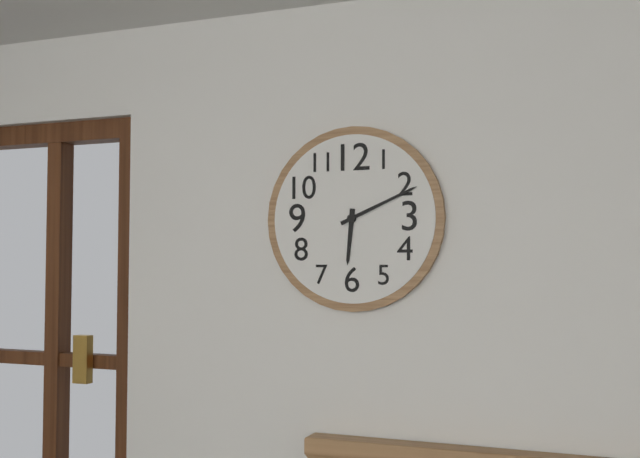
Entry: 6:11
